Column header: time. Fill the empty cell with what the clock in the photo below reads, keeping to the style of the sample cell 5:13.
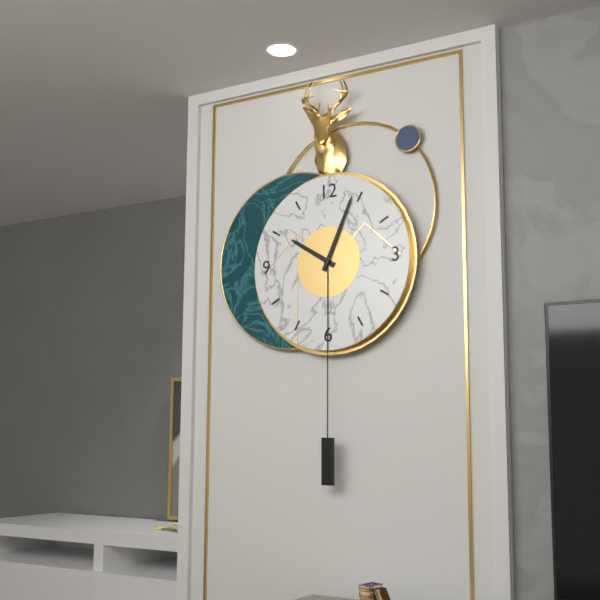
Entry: 10:04
